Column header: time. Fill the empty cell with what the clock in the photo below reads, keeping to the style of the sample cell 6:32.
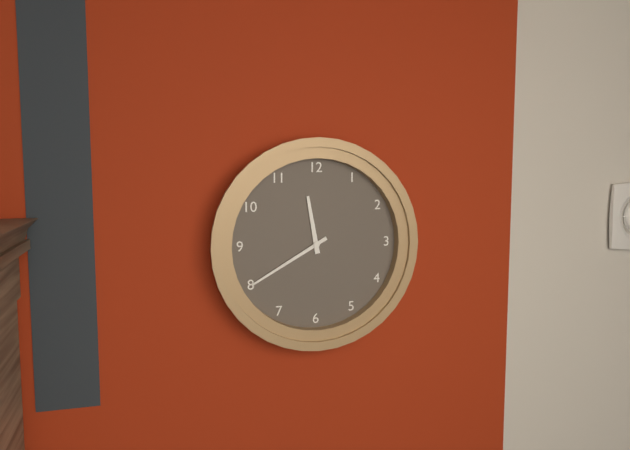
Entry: 11:40
